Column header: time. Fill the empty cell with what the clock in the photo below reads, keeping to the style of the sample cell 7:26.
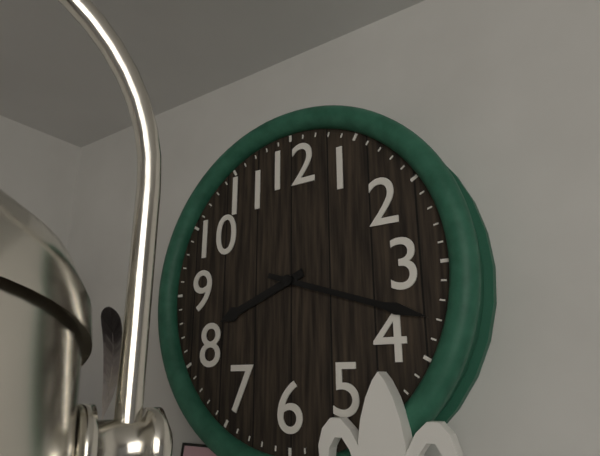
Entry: 8:18
